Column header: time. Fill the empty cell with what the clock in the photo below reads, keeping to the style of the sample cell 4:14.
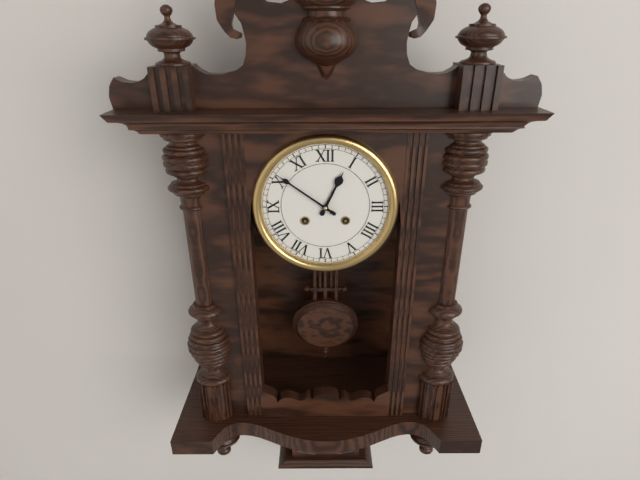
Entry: 12:51
